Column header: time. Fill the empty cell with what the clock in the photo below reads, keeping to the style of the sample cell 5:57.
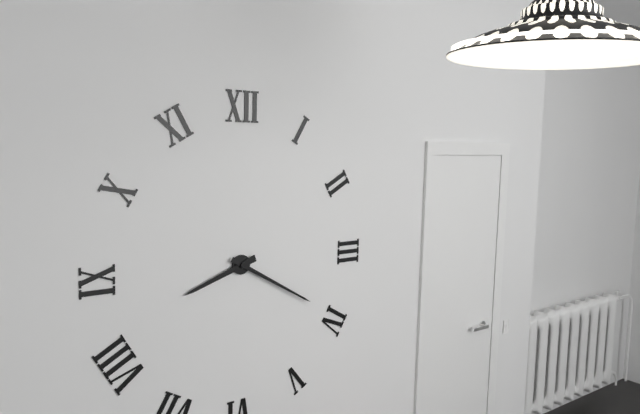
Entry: 8:20
